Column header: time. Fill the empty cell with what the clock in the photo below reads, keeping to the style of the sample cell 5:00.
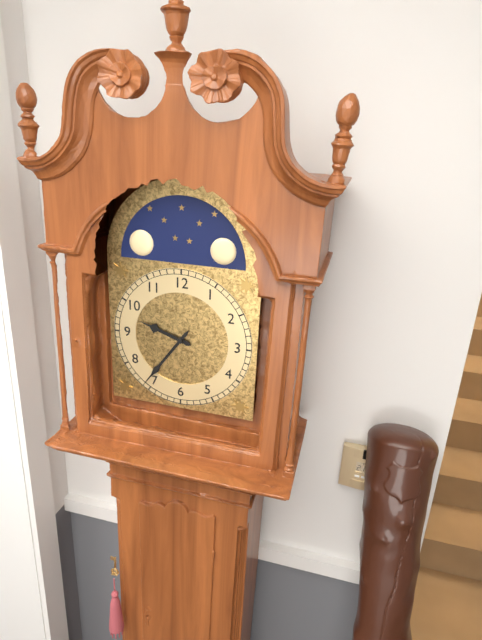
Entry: 9:36
